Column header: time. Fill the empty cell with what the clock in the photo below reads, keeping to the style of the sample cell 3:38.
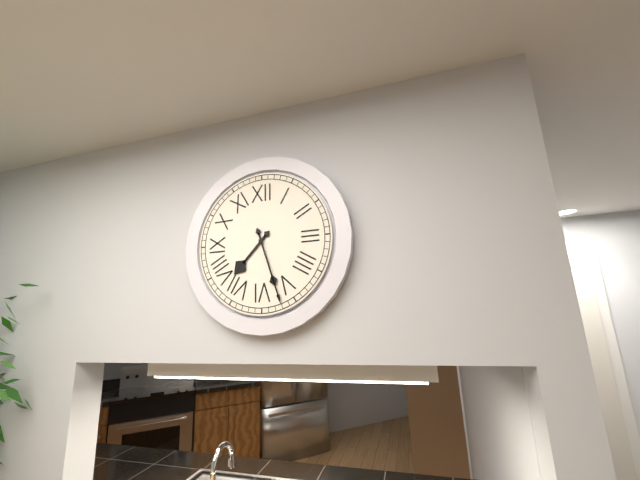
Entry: 7:27
